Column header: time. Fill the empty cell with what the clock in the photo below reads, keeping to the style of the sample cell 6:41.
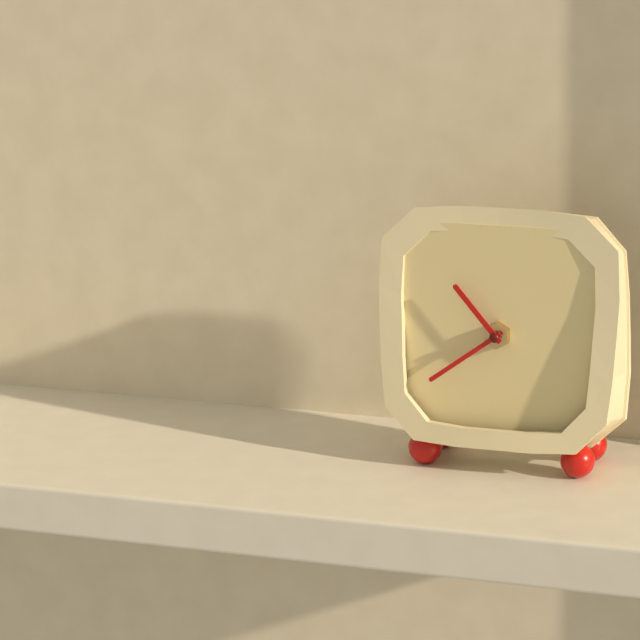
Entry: 10:39
